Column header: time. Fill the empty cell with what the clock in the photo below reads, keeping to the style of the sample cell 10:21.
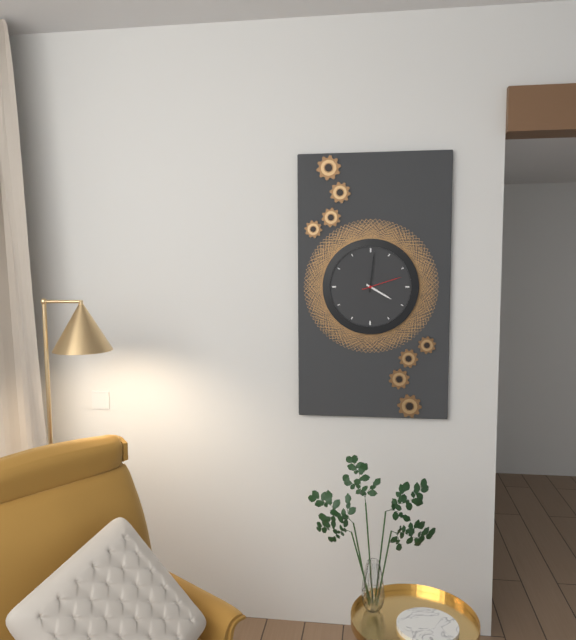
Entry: 4:01
